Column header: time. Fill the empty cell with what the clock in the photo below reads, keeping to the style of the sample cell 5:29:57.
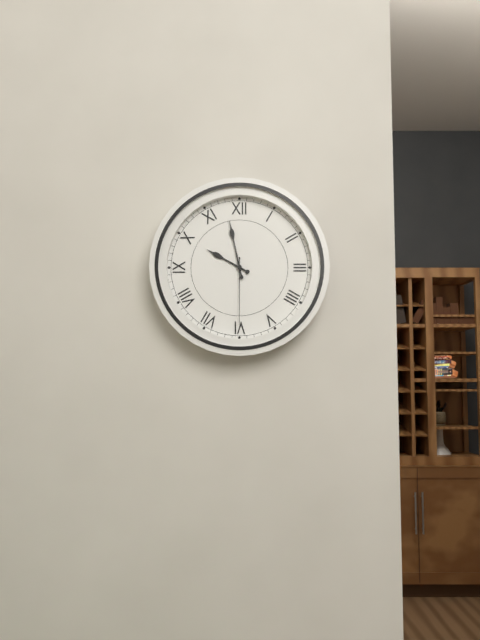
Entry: 9:58:30
